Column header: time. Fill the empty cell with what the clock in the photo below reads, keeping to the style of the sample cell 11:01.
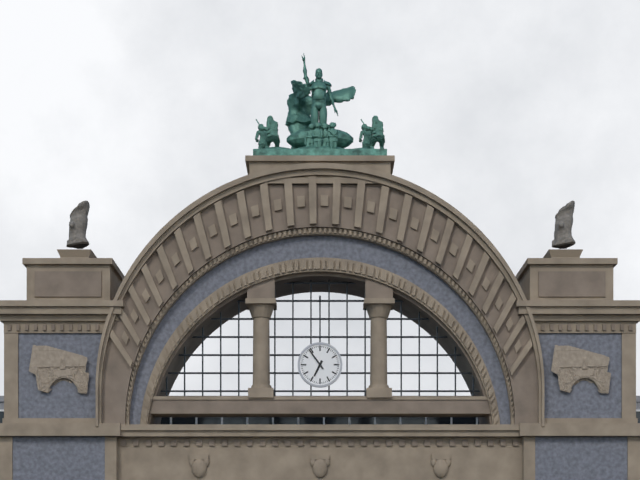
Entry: 6:54
